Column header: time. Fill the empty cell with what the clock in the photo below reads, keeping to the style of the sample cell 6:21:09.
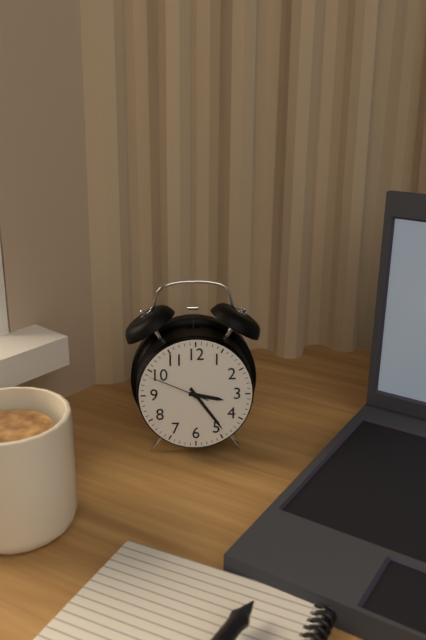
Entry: 3:24:49
